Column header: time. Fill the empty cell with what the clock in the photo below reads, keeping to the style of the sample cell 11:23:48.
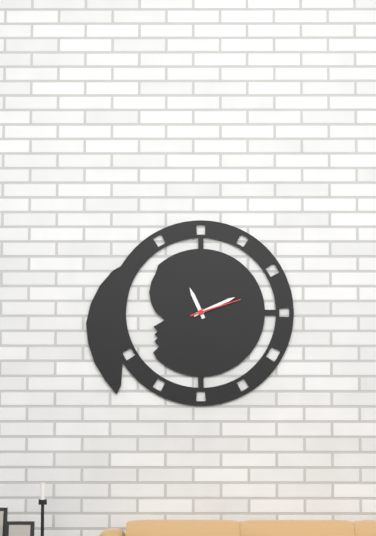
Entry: 11:11:12
